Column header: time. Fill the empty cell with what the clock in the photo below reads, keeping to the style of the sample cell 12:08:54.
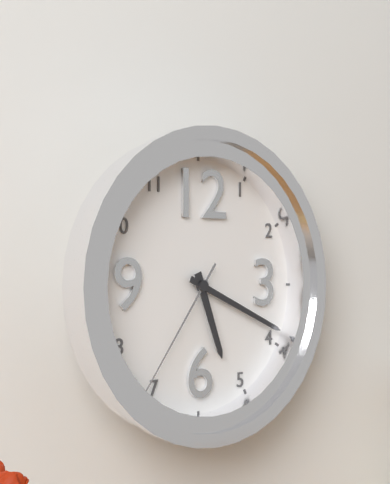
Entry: 5:19:36
